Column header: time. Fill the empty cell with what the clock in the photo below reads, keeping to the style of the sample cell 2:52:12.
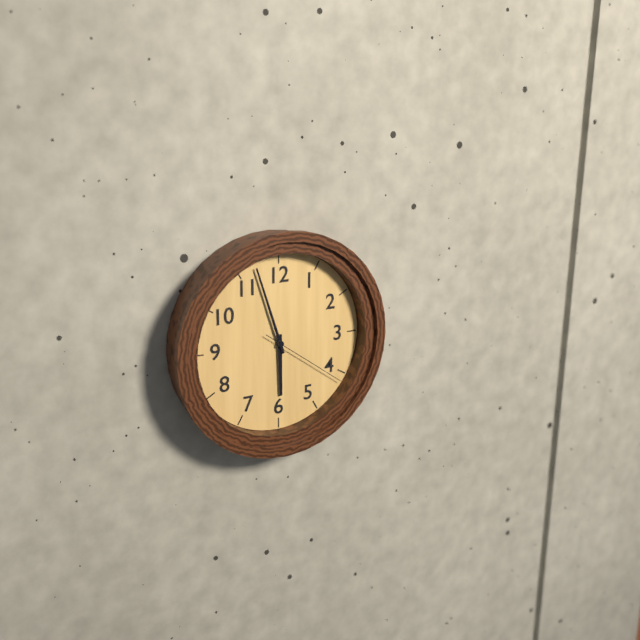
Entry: 5:57:21
